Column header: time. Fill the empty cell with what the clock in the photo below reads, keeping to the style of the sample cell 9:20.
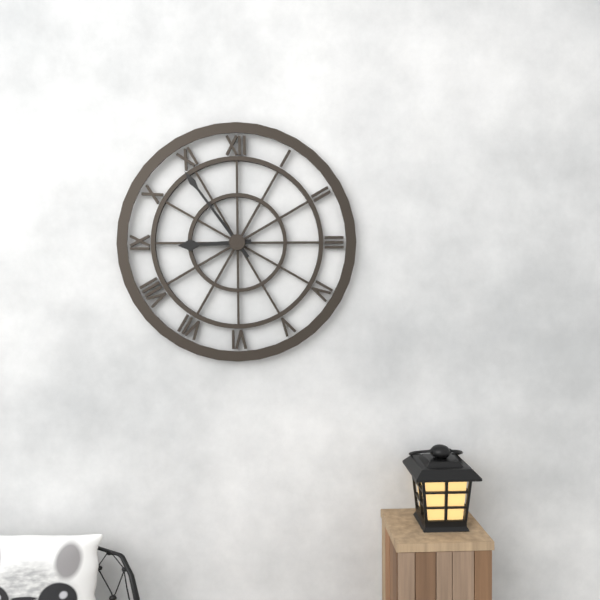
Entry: 8:54
